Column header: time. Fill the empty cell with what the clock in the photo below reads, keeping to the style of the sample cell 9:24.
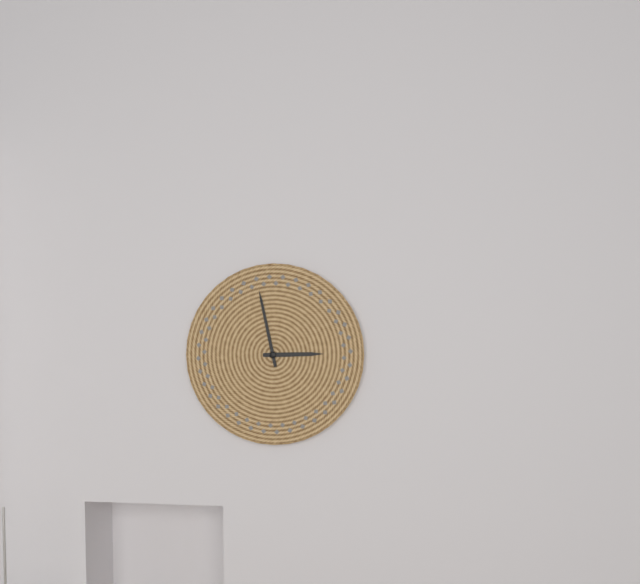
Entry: 2:58
